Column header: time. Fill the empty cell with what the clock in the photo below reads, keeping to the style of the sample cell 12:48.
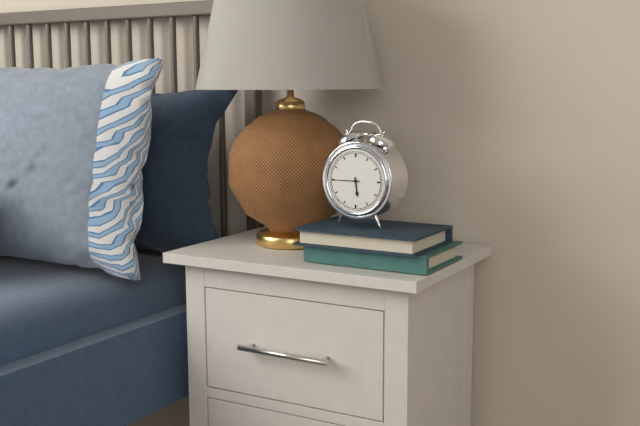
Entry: 5:45
